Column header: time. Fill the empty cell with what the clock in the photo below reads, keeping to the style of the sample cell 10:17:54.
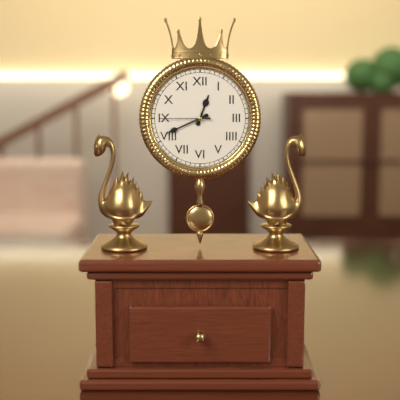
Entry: 12:41:45
